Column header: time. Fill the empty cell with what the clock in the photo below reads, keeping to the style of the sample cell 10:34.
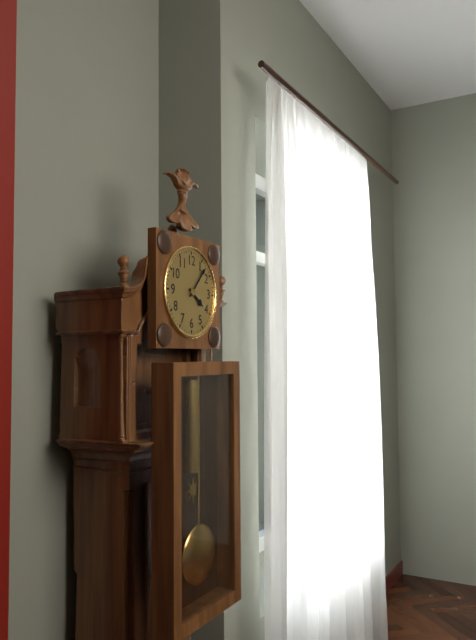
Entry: 4:07
